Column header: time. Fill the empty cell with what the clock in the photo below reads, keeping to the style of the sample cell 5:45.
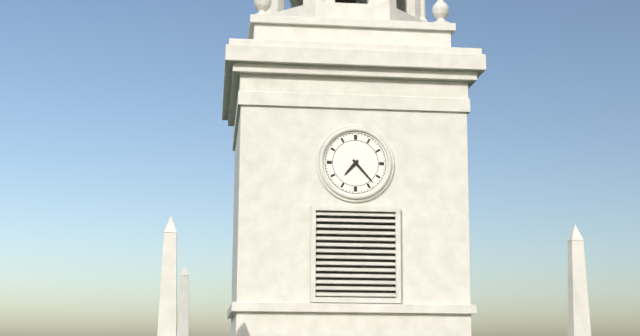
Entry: 7:23
